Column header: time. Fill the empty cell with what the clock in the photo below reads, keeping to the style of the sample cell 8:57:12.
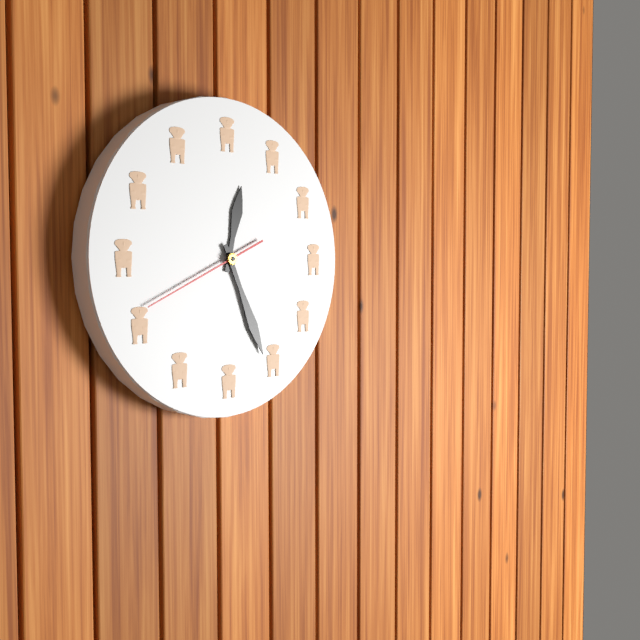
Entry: 12:26:41
